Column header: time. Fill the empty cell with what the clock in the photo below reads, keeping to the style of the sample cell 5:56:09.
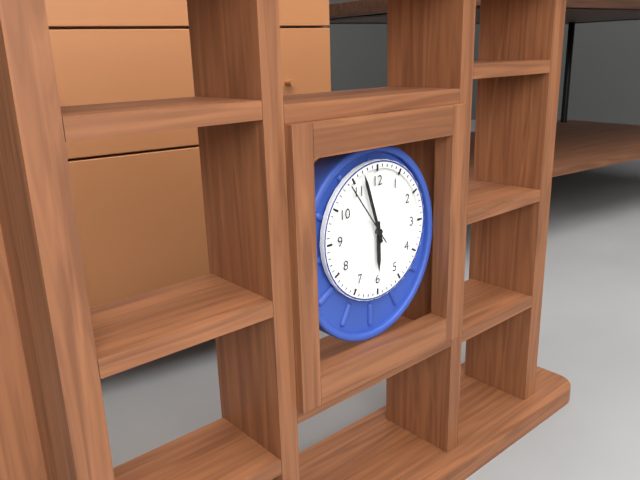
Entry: 5:57:54
